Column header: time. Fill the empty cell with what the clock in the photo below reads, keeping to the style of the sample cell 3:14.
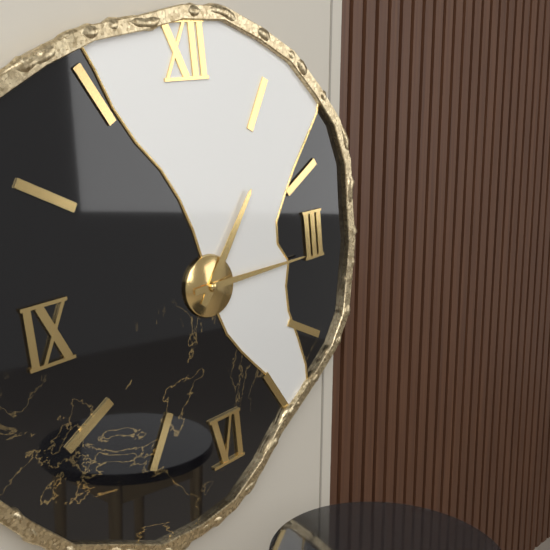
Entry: 1:15
